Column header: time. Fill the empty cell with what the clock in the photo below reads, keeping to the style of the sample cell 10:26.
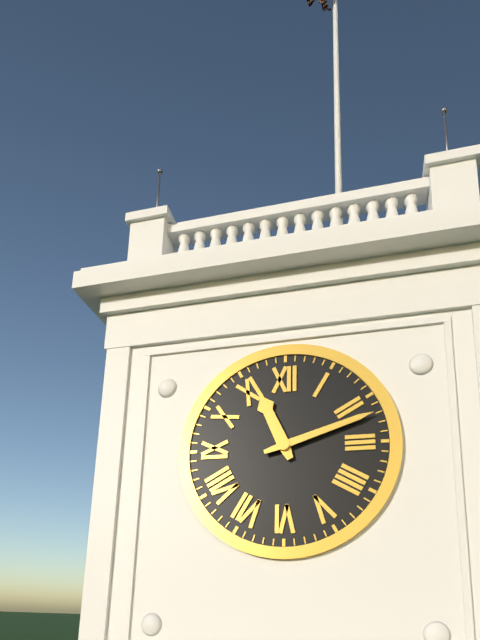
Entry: 11:12
